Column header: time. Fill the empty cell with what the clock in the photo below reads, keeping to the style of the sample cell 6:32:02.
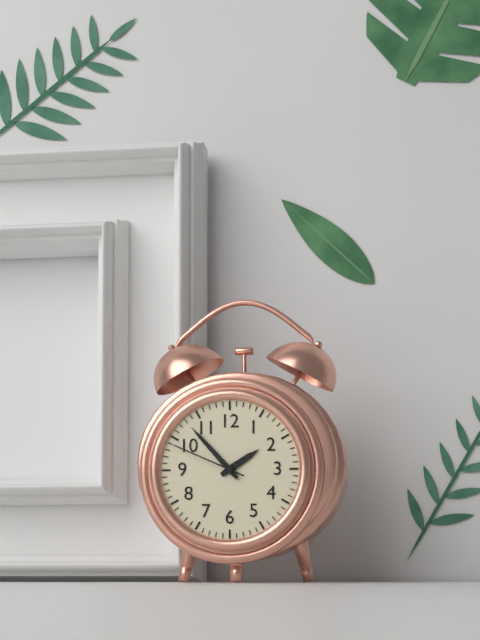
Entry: 1:53:49
